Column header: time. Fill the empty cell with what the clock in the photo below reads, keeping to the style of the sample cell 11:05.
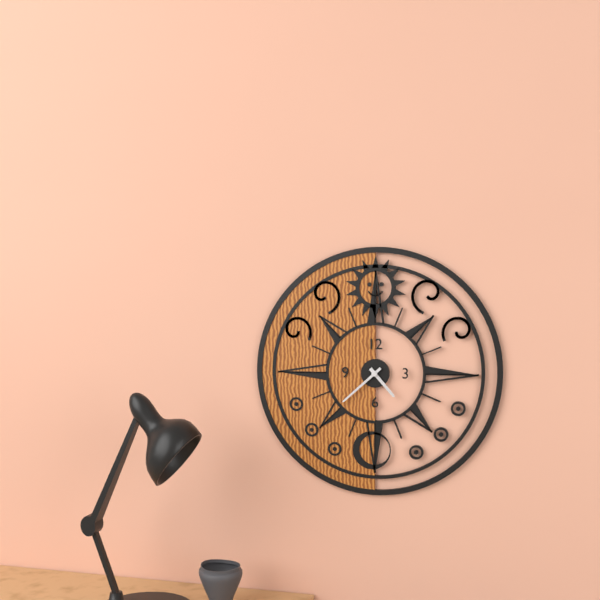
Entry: 4:38
